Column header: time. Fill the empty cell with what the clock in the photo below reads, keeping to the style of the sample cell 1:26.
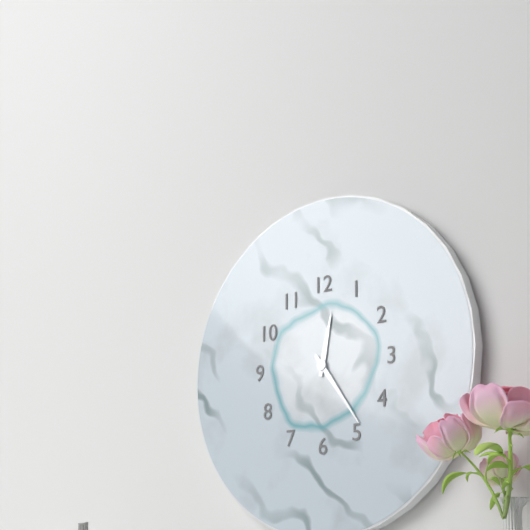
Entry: 12:24
